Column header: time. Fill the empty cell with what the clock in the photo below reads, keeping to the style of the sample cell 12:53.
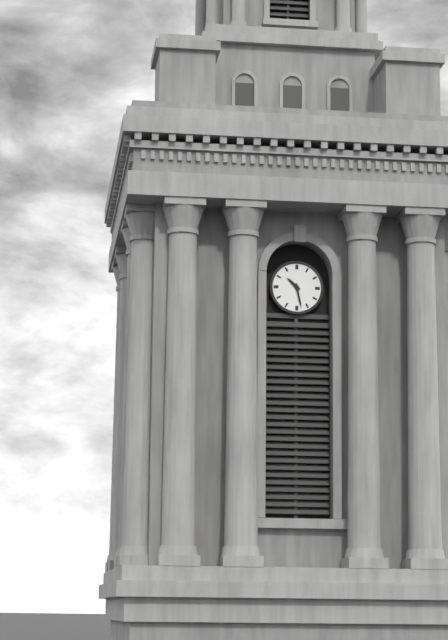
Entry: 10:28
